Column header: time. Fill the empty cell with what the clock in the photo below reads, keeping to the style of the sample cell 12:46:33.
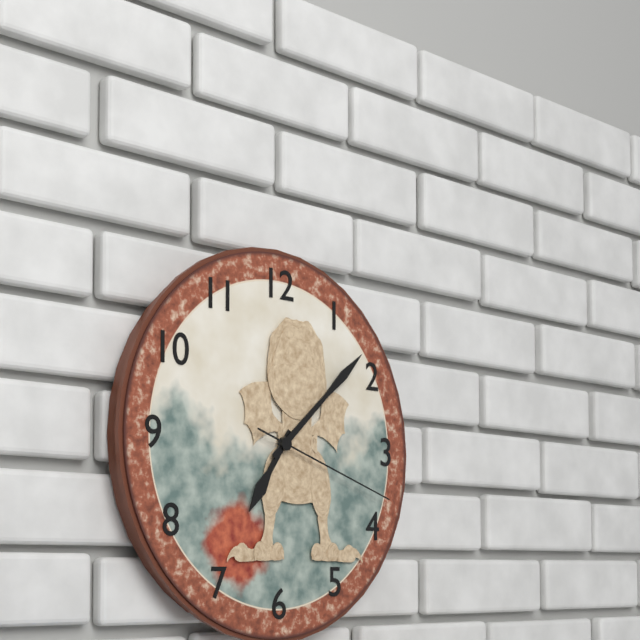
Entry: 7:08:18
